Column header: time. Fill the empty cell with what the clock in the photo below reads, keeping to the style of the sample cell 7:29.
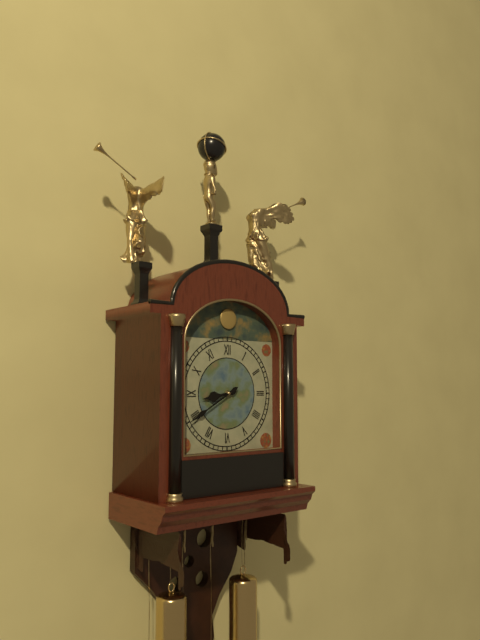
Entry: 8:40
